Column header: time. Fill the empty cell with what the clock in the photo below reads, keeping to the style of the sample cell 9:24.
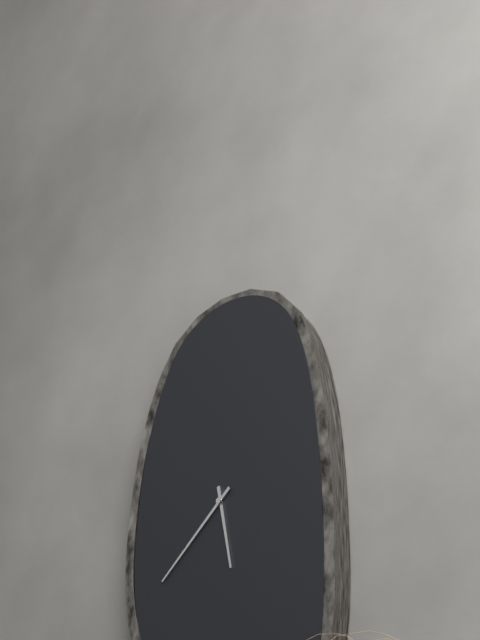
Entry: 5:38
